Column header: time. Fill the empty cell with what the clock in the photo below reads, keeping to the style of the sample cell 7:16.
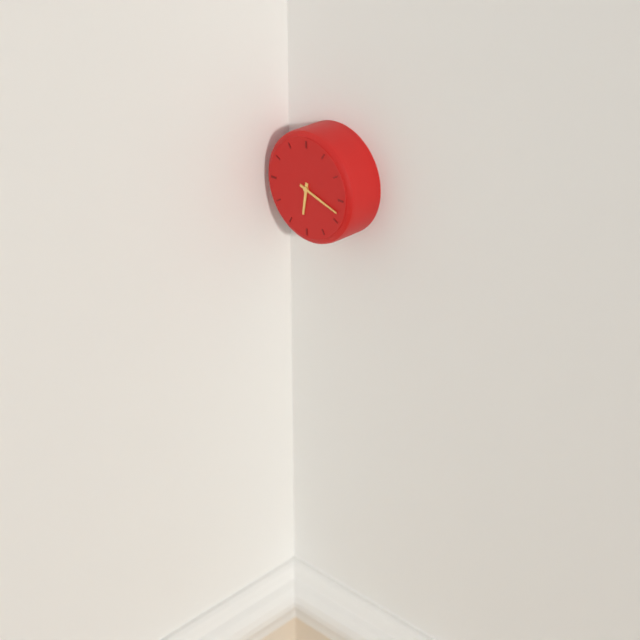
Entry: 6:18
